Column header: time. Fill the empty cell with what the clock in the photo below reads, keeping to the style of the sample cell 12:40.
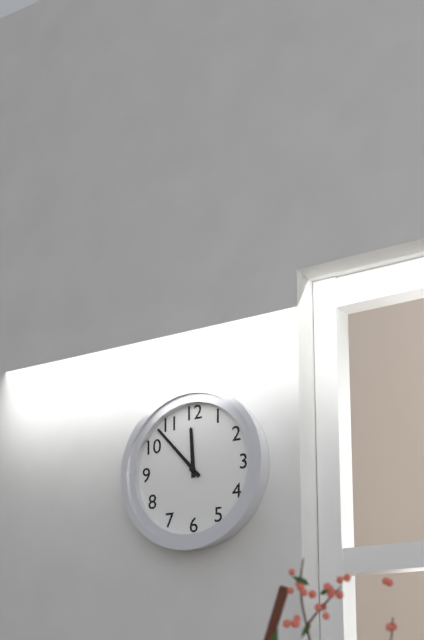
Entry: 11:53
